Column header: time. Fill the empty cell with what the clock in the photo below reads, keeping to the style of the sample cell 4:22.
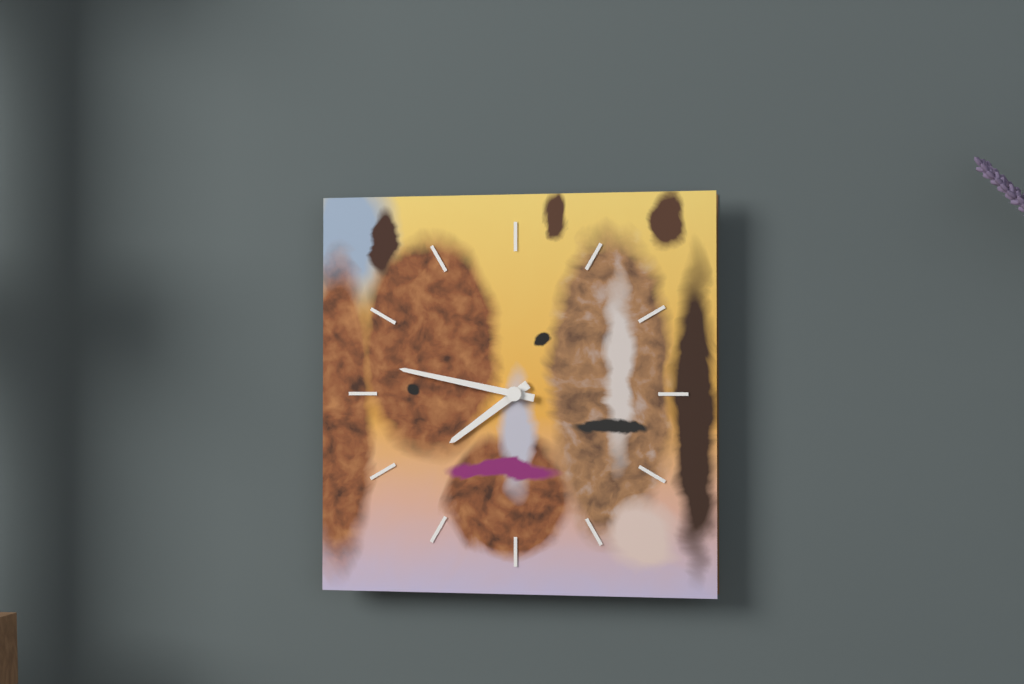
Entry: 7:47
